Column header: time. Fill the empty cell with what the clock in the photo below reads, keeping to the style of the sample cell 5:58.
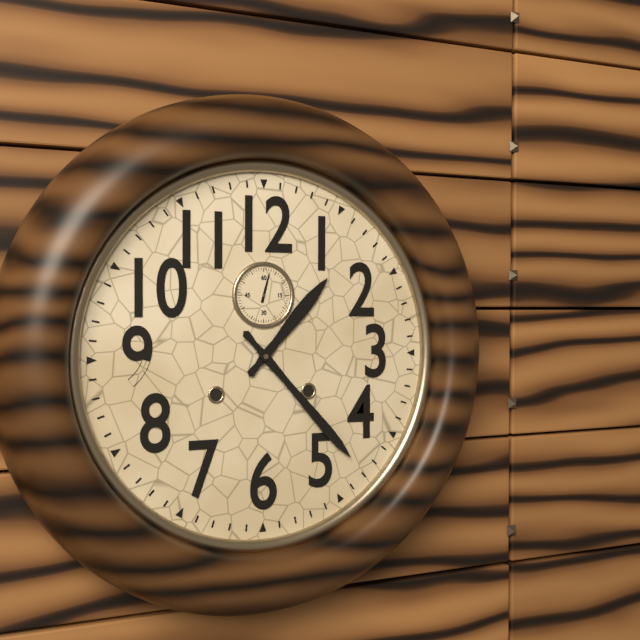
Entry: 1:23
